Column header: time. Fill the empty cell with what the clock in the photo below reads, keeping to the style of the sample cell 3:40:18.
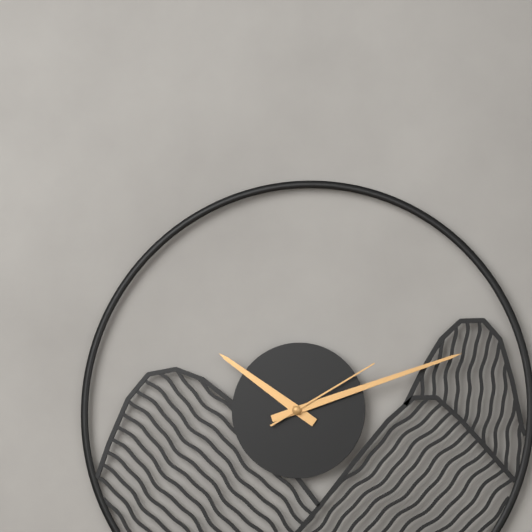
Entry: 10:12:10
